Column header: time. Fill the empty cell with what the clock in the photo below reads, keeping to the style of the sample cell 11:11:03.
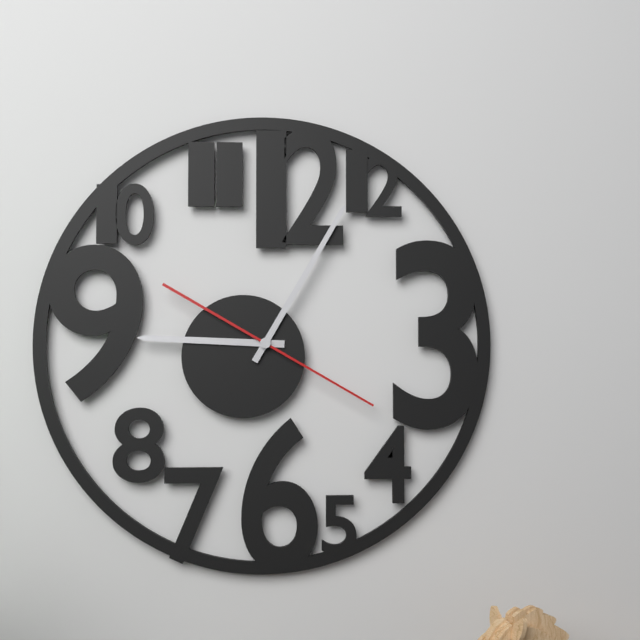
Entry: 9:05:20
